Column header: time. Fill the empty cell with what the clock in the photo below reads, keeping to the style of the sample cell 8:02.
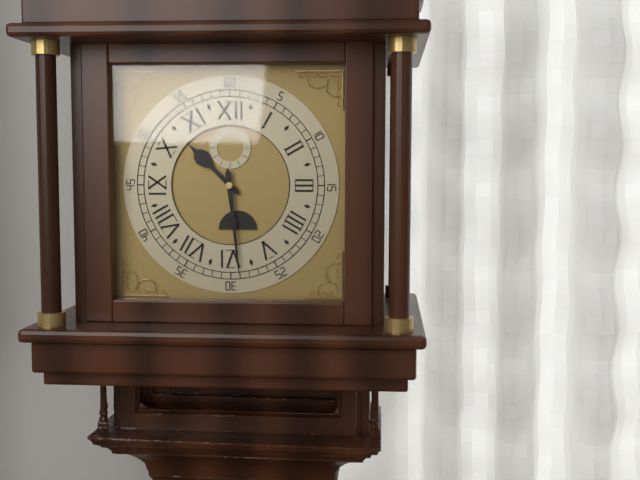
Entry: 10:29
